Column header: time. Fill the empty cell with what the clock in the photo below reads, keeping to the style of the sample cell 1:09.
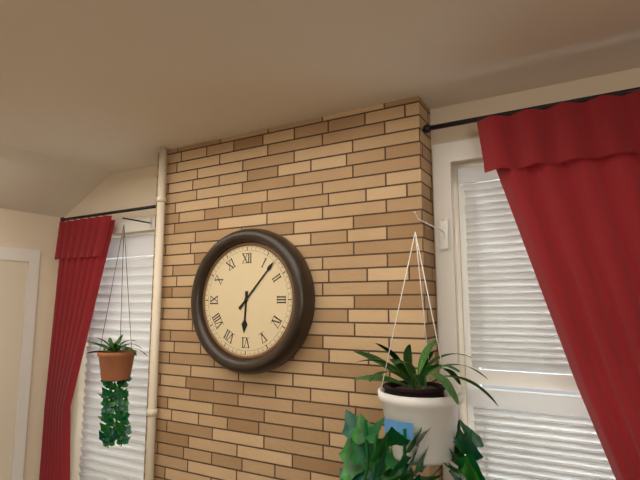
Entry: 6:07
